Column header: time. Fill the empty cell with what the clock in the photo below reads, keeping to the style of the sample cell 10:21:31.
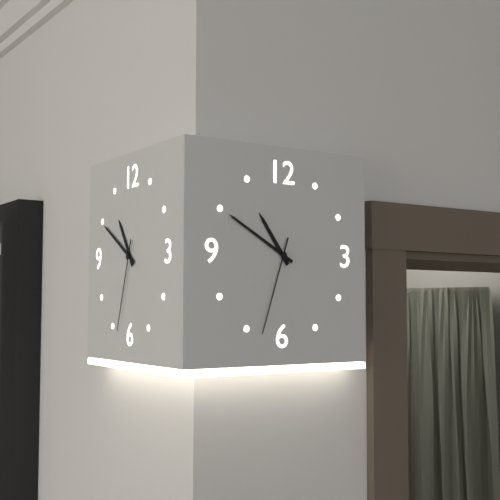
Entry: 10:50:33
